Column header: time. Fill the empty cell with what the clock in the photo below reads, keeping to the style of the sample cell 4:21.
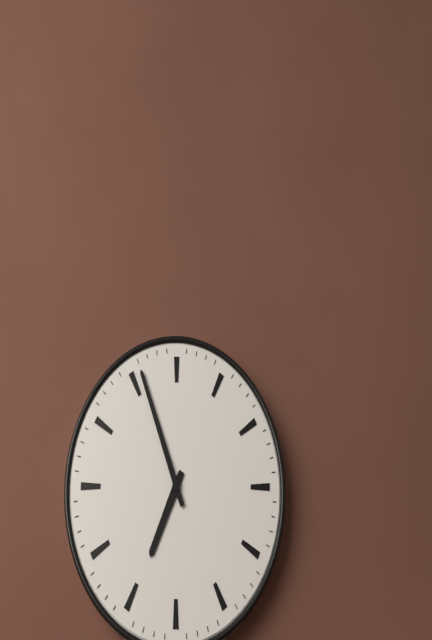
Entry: 6:56
